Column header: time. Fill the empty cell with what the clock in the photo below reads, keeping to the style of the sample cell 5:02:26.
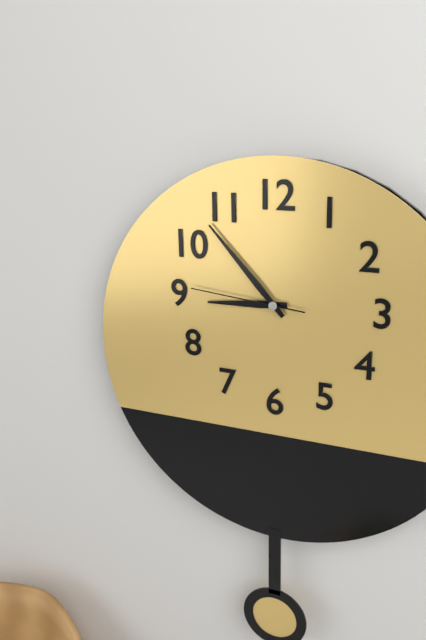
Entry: 8:53:46
